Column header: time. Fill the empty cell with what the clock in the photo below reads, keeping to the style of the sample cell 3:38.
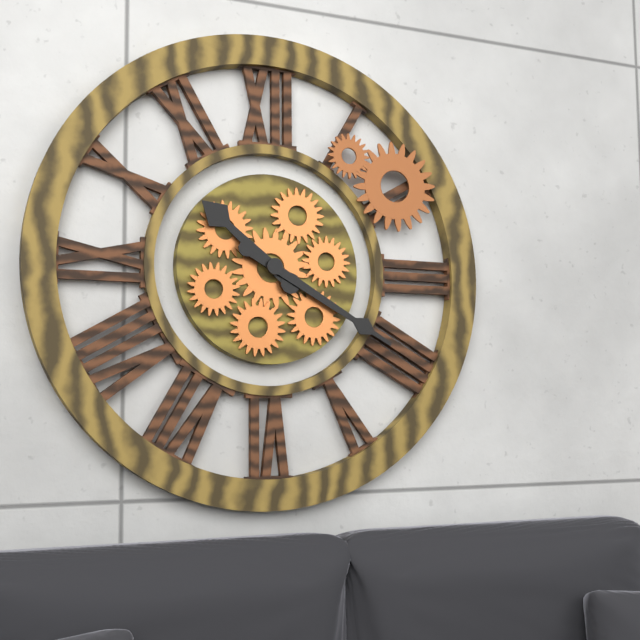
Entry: 10:20
